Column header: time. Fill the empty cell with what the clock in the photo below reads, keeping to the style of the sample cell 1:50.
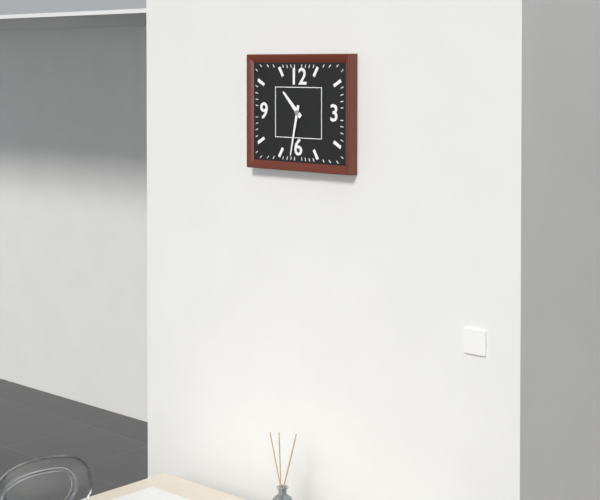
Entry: 10:32
